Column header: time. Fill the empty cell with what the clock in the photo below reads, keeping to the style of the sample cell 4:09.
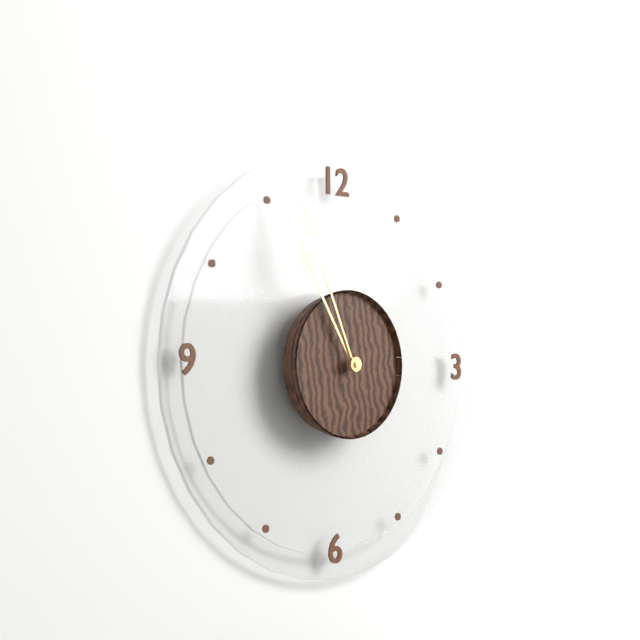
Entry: 10:56
